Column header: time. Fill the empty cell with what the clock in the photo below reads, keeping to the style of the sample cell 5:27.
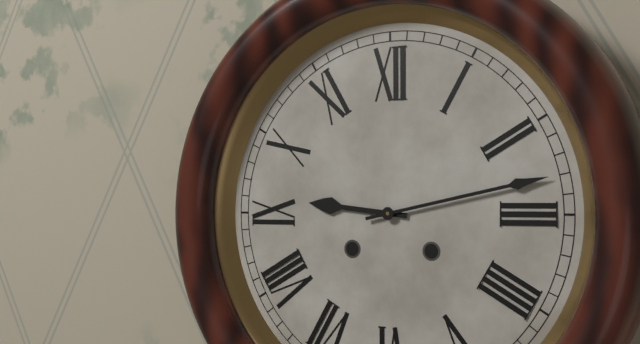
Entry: 9:13
